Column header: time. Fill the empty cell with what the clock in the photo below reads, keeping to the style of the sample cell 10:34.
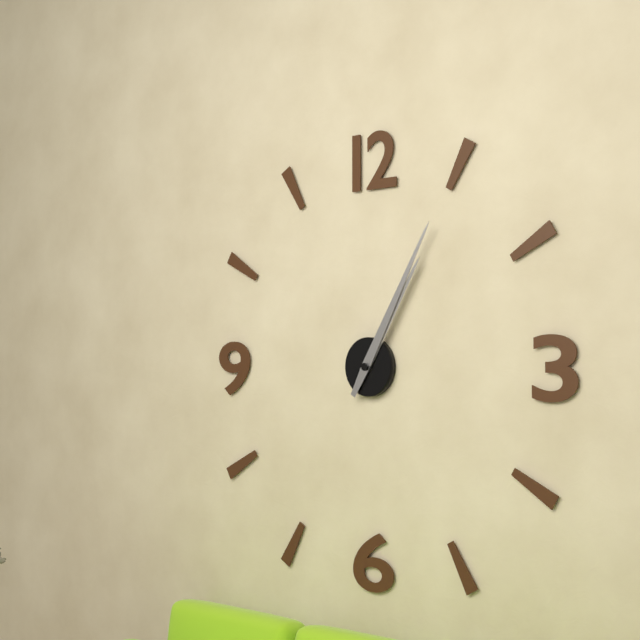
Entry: 1:05
